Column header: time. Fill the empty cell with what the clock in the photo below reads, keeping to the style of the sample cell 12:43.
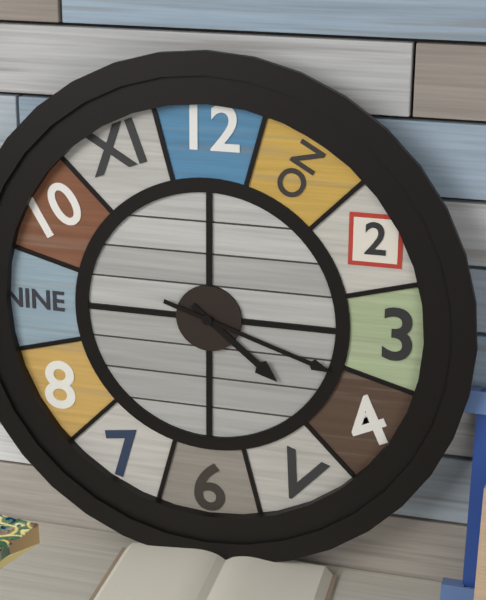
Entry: 4:18
